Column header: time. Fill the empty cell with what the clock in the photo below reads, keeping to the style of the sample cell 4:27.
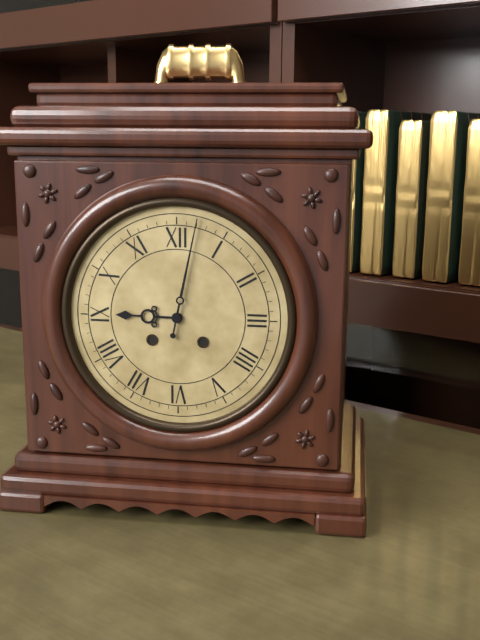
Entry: 9:02
